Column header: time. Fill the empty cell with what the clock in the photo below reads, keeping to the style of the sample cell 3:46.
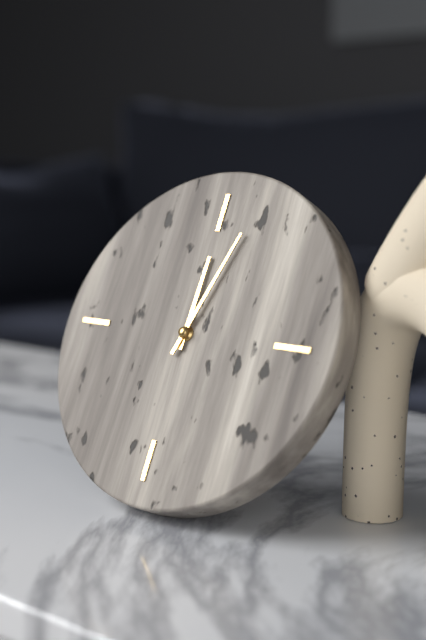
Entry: 12:03
